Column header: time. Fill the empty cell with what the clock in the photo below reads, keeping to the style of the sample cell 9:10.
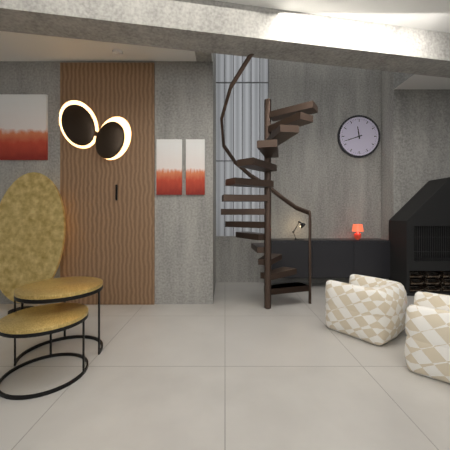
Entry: 11:42
